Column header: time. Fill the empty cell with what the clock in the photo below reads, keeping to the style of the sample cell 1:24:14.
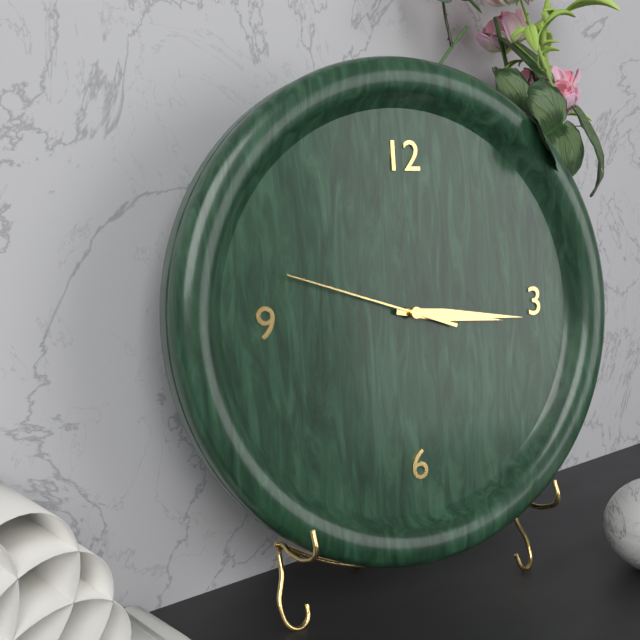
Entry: 3:16:48
